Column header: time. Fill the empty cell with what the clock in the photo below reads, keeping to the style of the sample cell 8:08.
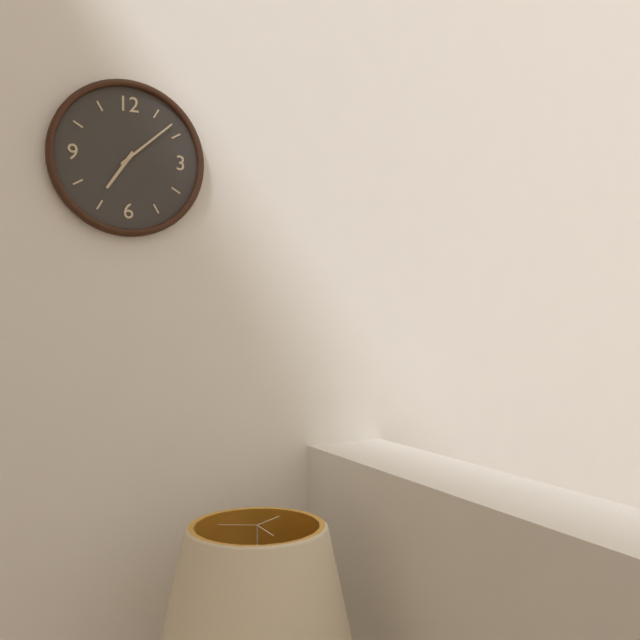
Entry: 7:08
